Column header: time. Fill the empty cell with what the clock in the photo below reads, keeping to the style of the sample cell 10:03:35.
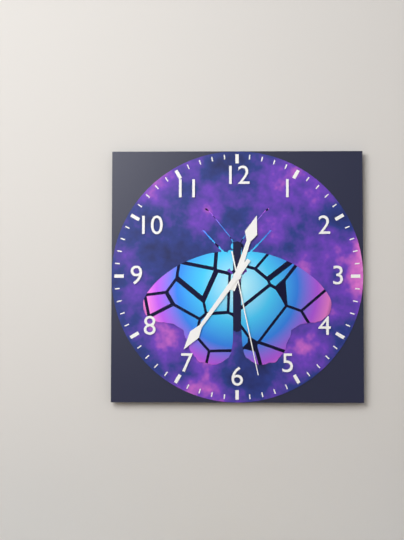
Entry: 12:36:28
